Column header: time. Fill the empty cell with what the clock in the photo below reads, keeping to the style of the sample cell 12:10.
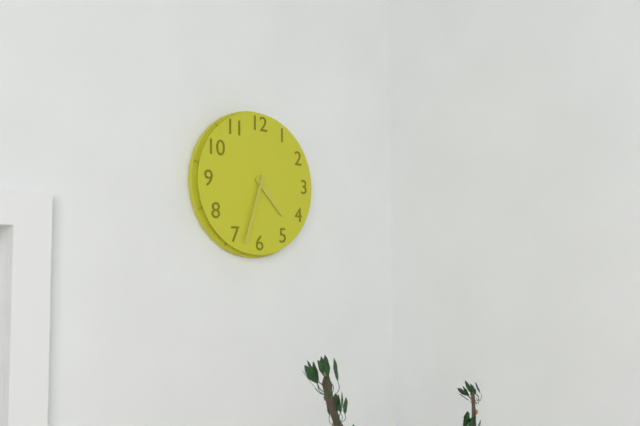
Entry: 4:33
